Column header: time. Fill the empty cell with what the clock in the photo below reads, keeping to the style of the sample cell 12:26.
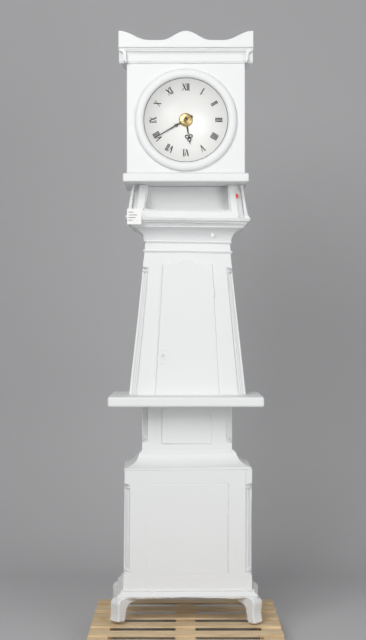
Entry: 5:40
